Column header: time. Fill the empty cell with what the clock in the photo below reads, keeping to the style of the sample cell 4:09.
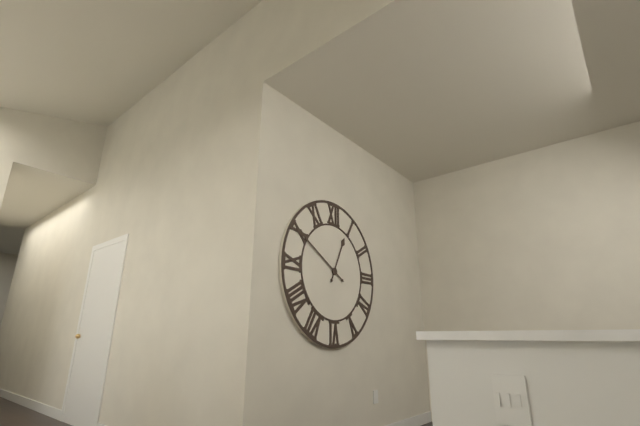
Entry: 12:50
